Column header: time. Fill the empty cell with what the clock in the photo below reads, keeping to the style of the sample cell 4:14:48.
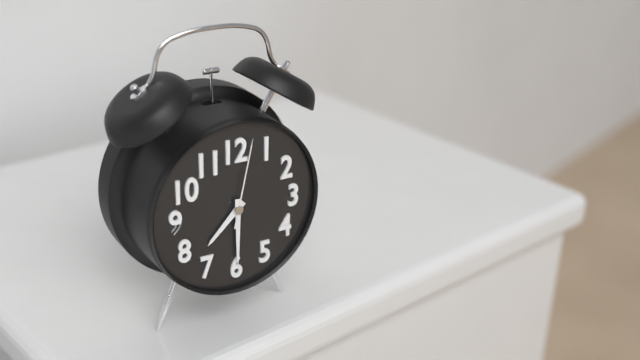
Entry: 7:30:02
